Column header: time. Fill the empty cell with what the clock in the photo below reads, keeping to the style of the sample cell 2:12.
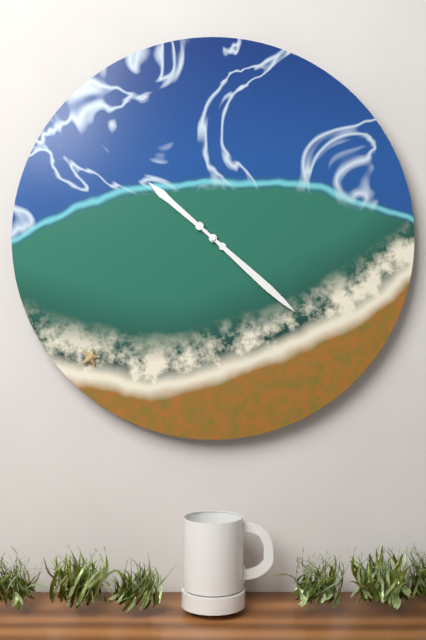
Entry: 10:22
